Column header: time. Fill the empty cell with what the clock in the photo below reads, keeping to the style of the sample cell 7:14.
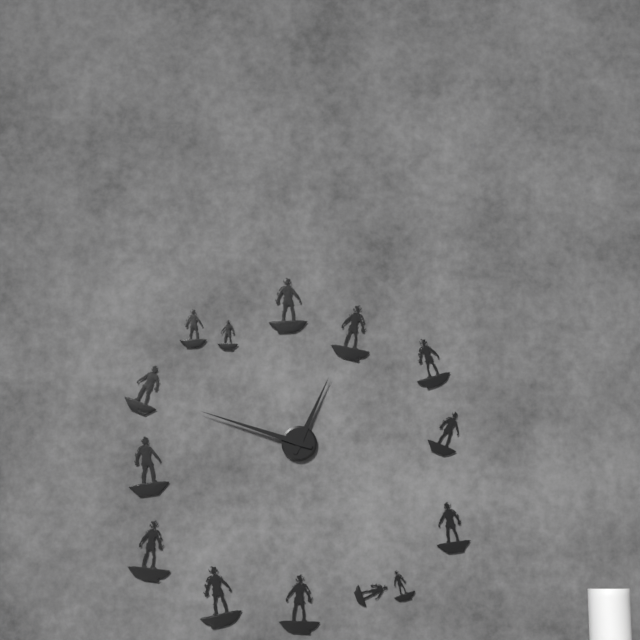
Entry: 12:48
